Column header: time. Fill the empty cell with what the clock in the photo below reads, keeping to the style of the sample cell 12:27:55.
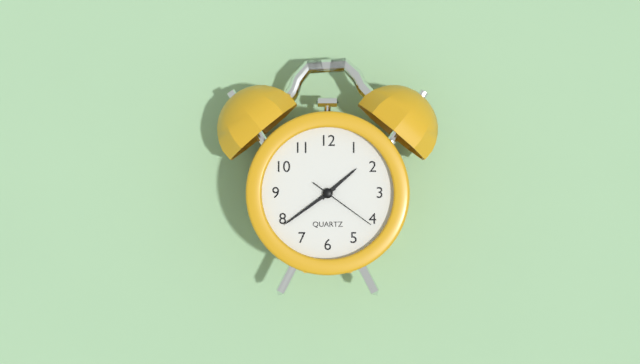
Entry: 1:39:21
